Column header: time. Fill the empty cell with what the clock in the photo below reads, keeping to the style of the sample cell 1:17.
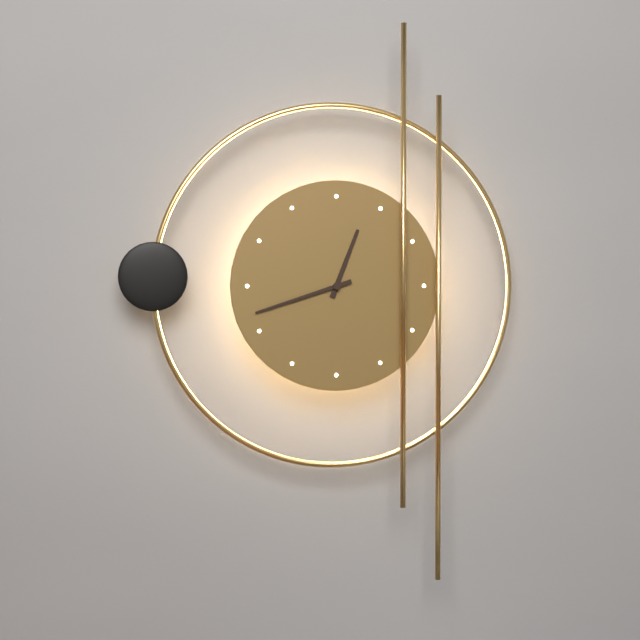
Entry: 12:42
